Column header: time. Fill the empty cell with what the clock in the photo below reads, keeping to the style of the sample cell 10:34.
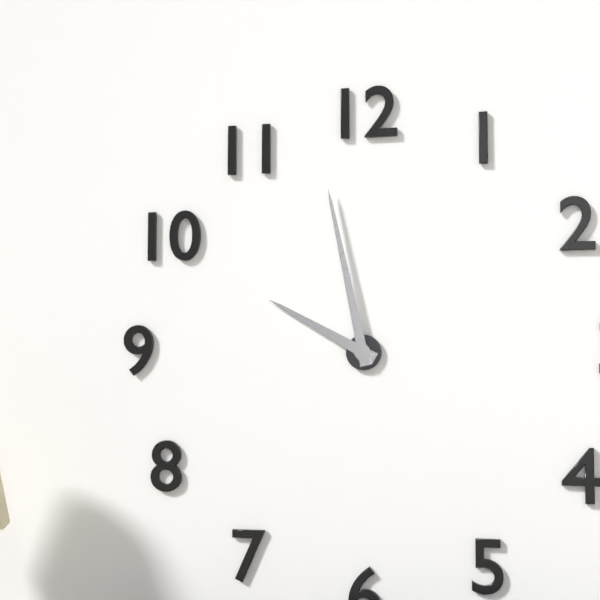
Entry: 9:58
